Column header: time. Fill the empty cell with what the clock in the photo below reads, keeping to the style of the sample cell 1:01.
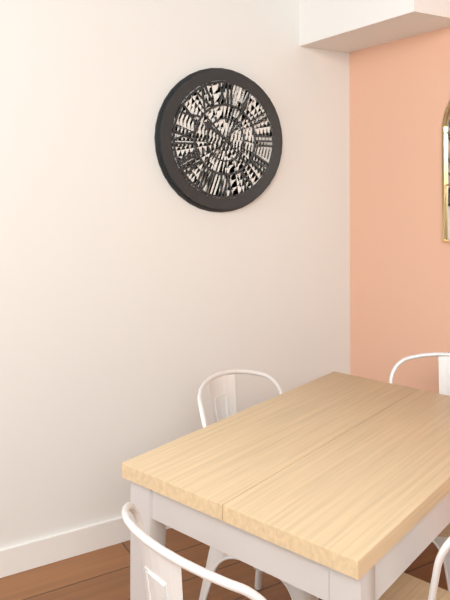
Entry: 10:05
